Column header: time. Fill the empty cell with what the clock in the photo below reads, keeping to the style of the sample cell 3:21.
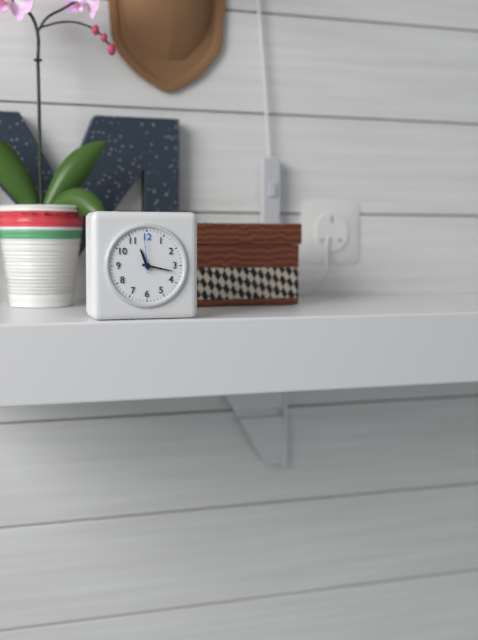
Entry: 11:17
